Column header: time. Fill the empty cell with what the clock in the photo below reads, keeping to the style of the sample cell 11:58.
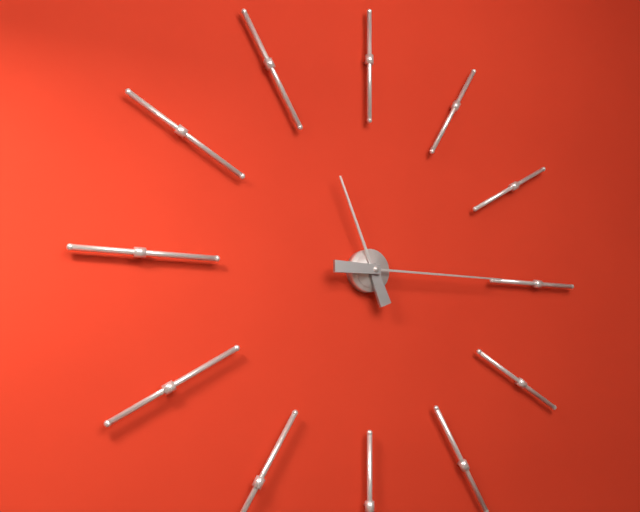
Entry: 11:15
